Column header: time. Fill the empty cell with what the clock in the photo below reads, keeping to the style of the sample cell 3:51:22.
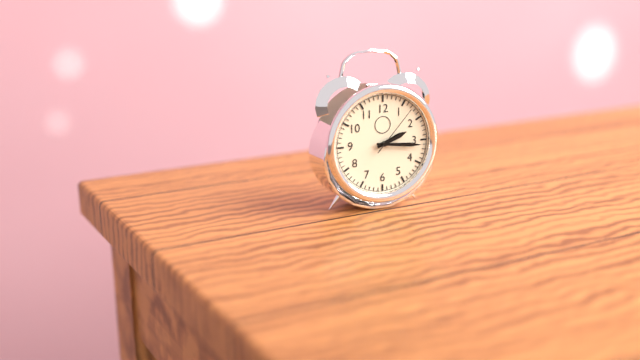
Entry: 2:16:07
